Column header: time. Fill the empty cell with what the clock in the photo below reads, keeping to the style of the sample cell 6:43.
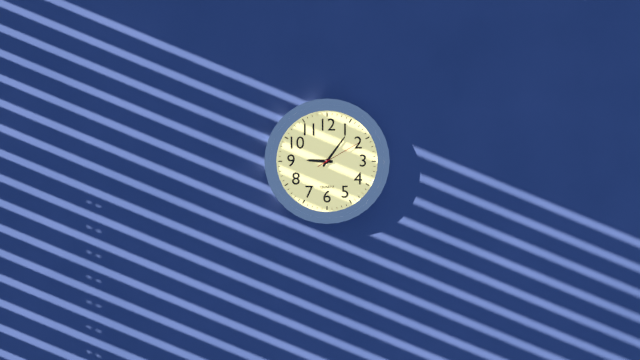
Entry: 9:06
